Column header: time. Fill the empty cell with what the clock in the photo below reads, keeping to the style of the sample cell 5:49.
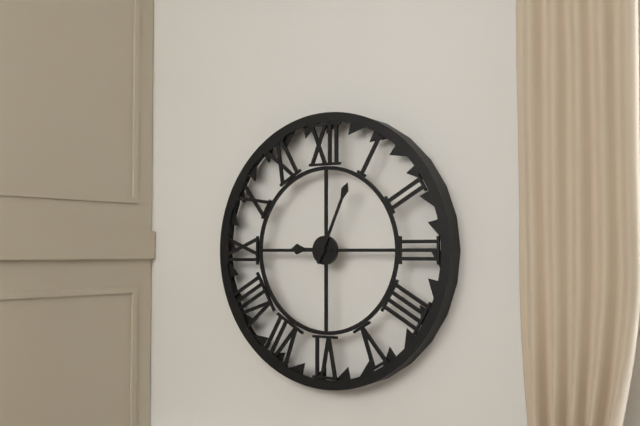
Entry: 9:04
